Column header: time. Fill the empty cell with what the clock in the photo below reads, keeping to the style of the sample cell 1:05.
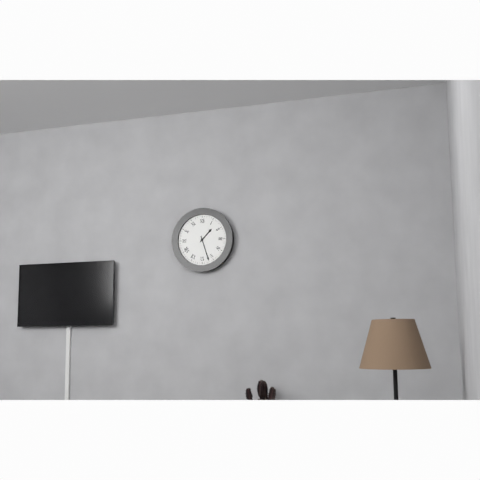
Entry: 1:27
